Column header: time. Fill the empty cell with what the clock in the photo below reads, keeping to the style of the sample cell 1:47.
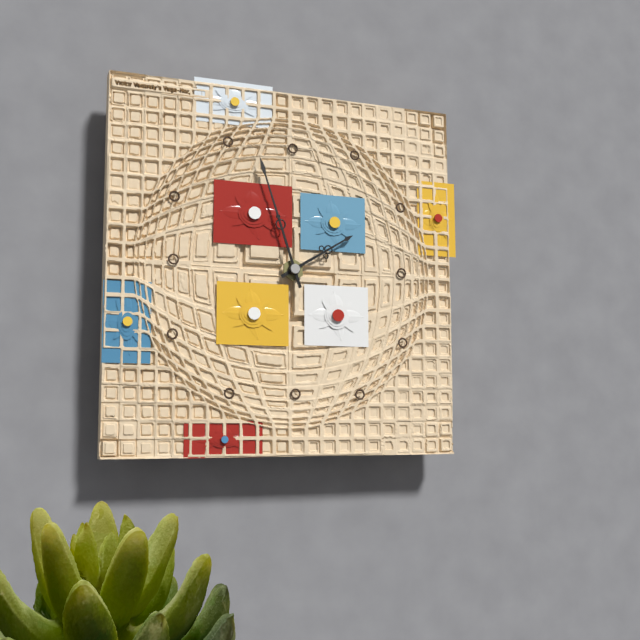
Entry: 1:57
